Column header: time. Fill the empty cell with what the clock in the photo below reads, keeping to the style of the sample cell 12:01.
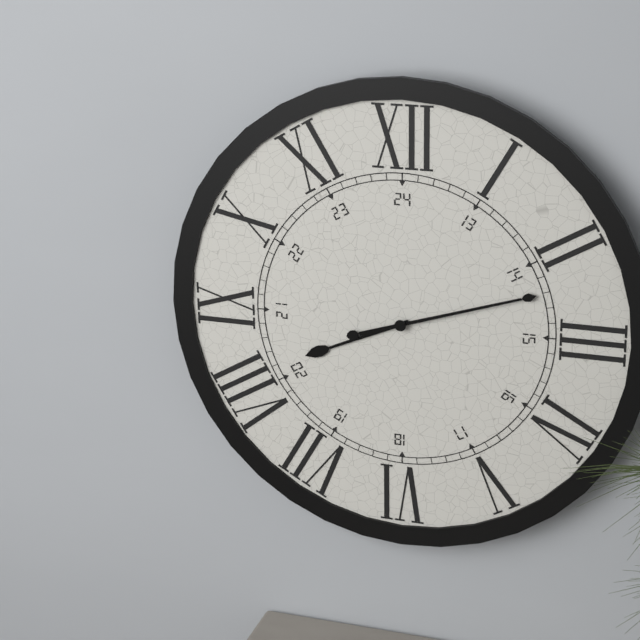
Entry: 8:12
